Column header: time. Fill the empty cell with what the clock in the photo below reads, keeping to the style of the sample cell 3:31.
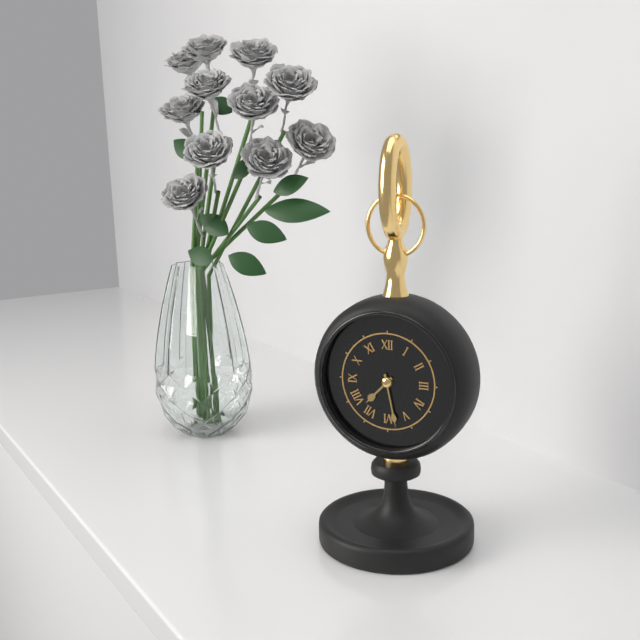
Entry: 7:28
